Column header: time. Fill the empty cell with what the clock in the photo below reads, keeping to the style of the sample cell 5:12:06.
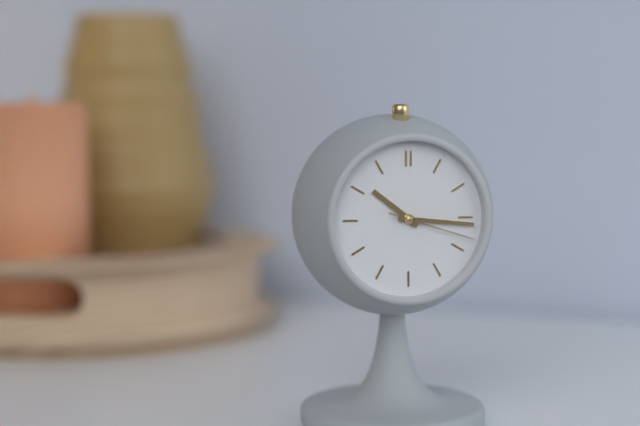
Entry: 10:16:18
